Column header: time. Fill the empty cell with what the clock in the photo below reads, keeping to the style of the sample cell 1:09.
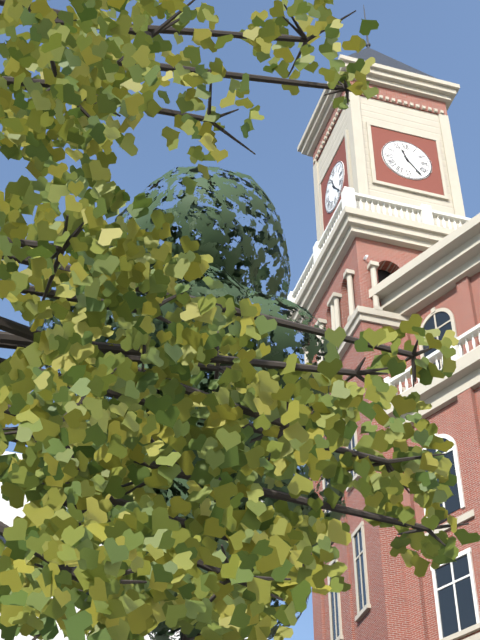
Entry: 11:24
